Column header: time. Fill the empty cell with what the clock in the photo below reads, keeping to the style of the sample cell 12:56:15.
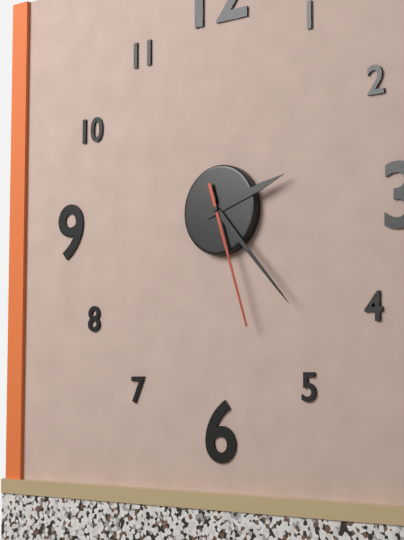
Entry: 2:23:27
